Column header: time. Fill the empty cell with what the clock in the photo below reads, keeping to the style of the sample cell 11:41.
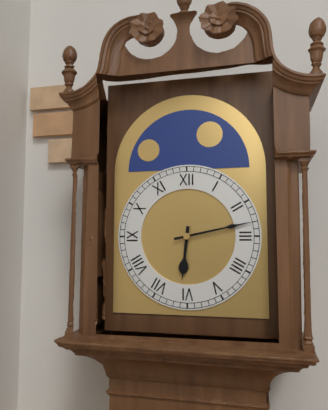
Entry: 6:13
